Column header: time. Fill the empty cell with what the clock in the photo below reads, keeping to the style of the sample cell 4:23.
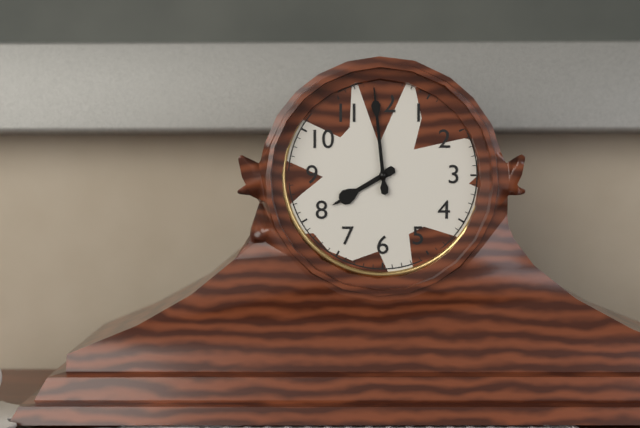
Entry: 7:59
